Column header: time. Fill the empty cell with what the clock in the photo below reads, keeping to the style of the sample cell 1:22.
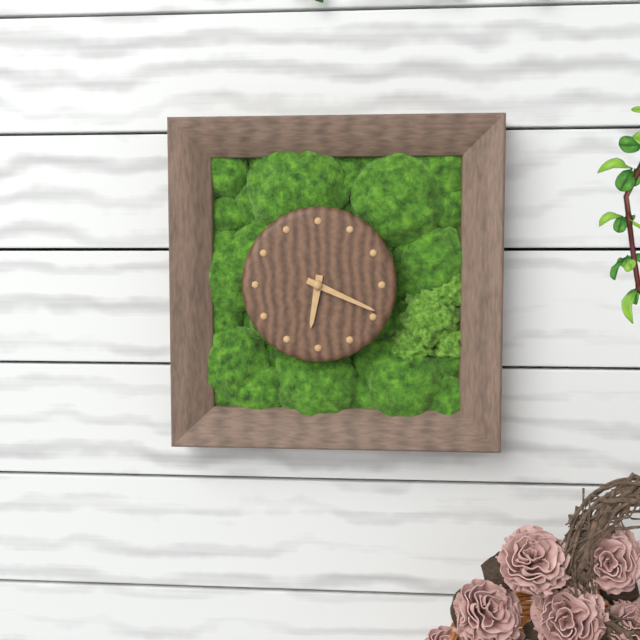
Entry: 6:19
